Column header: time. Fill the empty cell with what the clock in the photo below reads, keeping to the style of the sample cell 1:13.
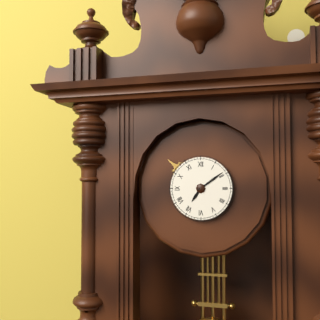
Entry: 7:09
